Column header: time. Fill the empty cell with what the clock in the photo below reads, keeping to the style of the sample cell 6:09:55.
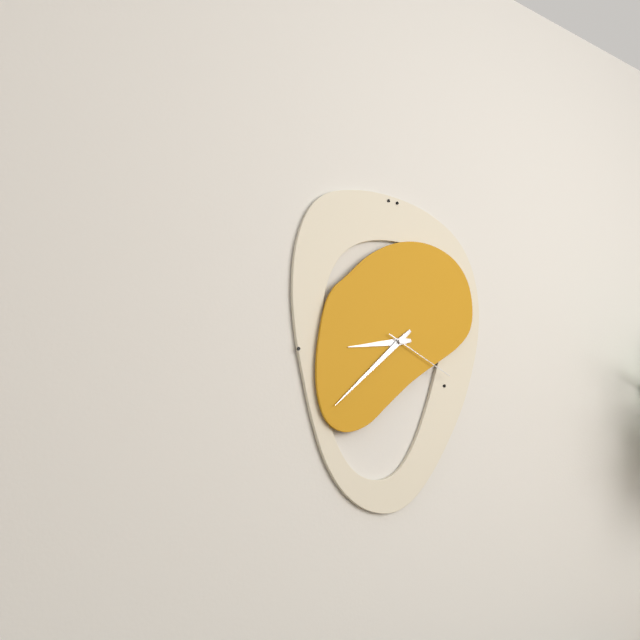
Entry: 8:38:19
